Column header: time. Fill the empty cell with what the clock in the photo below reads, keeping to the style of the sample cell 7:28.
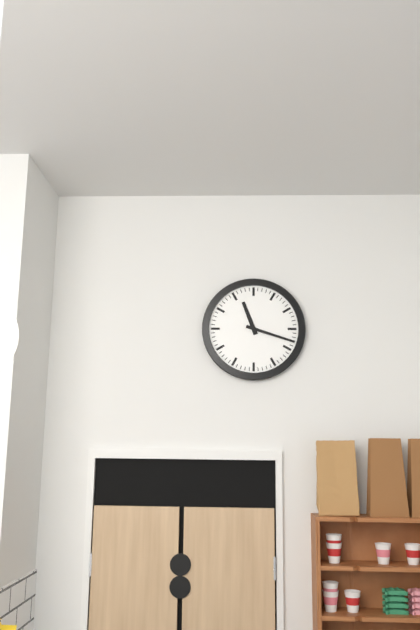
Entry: 11:18
